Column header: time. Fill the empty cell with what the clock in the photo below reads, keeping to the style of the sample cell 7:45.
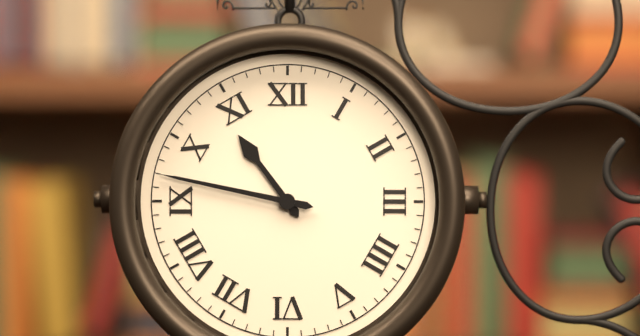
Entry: 10:47
